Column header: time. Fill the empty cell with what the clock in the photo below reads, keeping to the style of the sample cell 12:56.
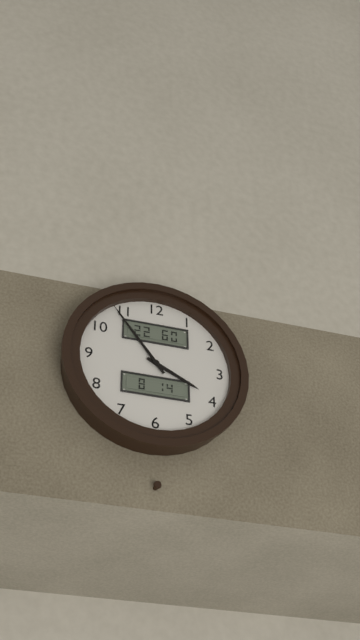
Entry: 3:54
